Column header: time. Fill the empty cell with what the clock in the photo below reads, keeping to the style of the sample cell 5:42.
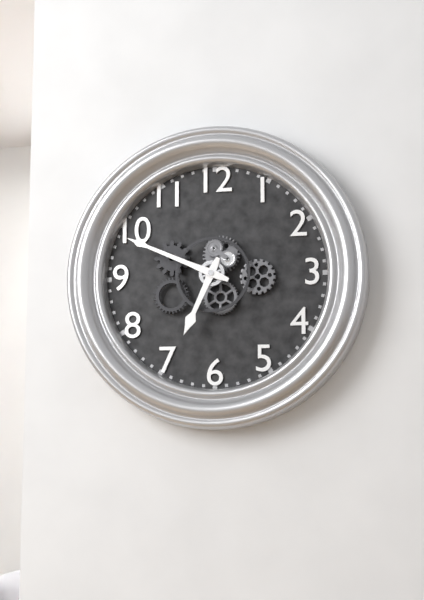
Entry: 6:49
